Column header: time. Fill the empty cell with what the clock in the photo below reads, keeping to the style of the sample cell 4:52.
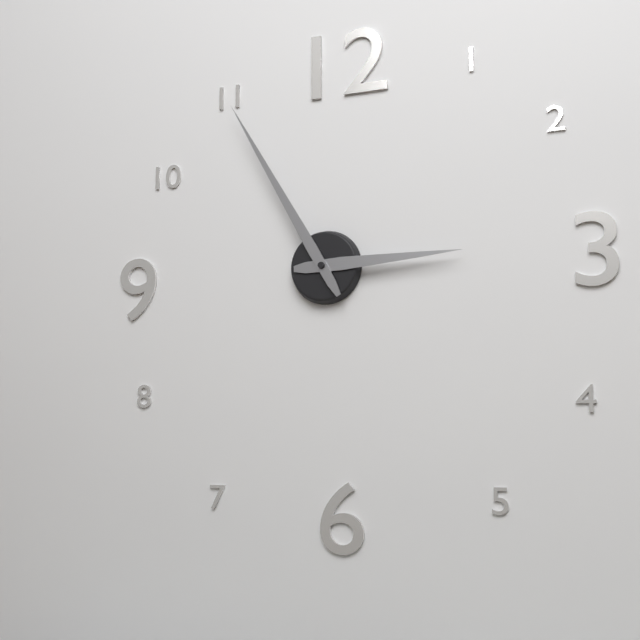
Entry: 2:55
